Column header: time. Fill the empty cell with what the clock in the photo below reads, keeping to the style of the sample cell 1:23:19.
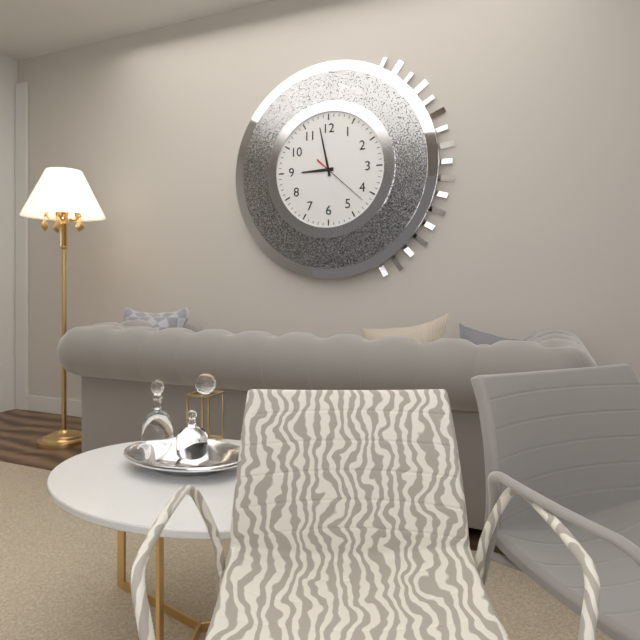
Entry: 8:58:22
